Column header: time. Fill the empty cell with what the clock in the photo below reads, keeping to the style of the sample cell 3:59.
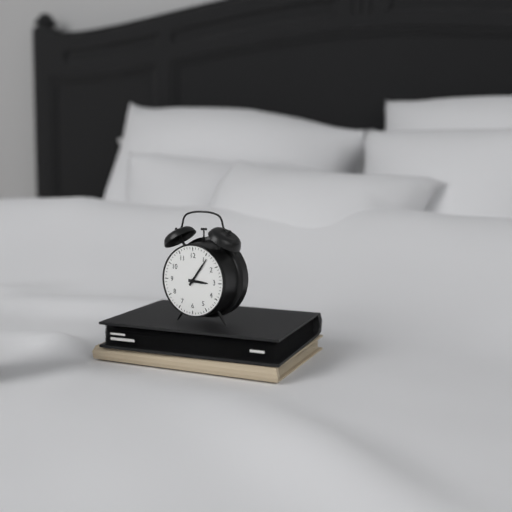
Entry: 3:06
